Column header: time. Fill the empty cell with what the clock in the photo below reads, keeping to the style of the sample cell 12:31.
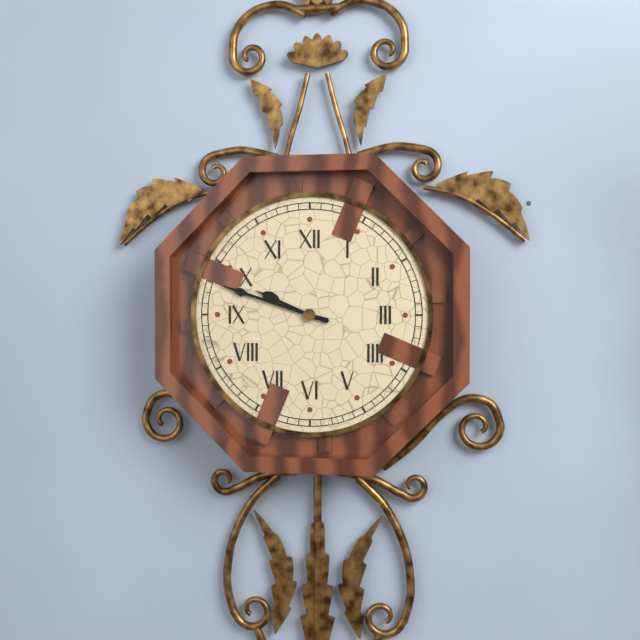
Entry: 9:48
